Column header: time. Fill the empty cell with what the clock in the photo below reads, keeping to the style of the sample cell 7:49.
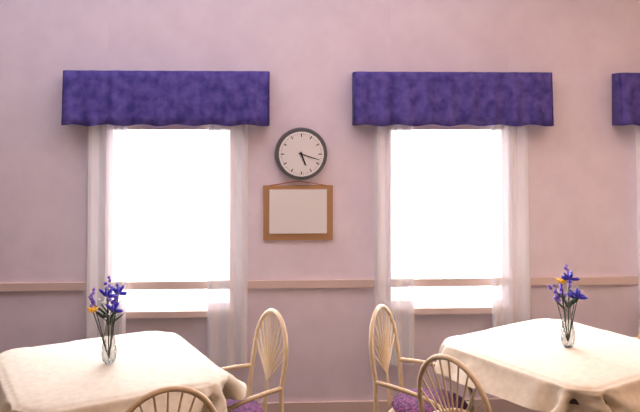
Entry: 5:18
